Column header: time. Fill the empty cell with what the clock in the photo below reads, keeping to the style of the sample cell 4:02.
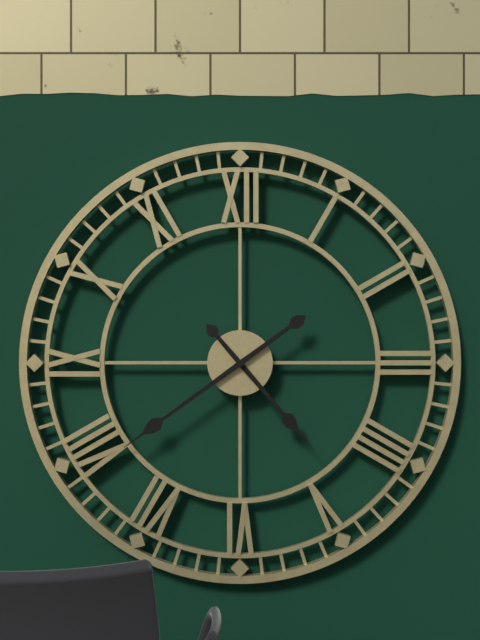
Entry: 4:39
